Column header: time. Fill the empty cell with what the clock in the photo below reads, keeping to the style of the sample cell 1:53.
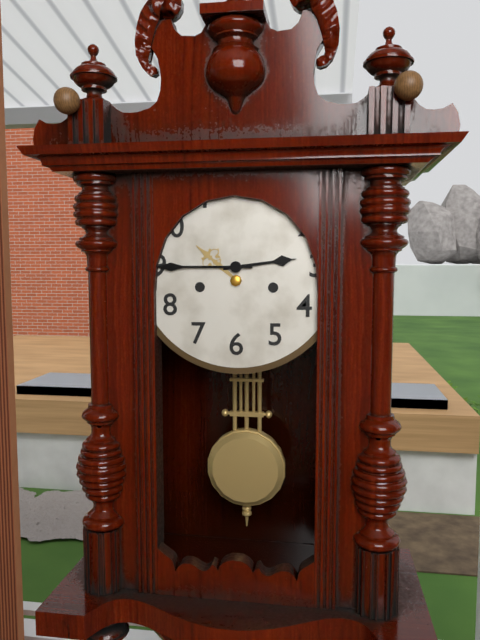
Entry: 2:45
